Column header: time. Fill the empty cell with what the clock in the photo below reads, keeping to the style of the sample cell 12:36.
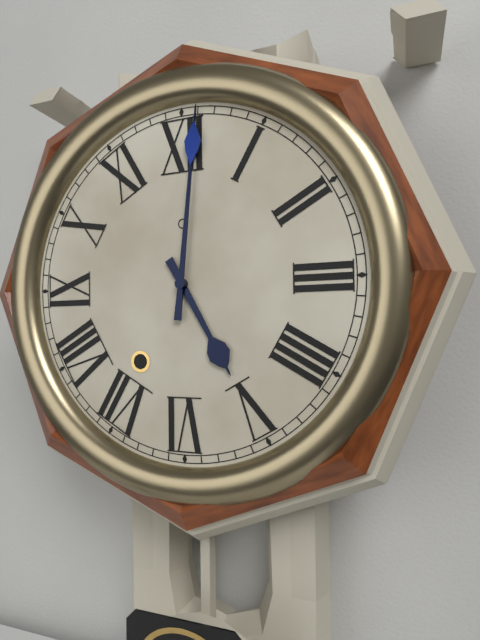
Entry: 5:01
